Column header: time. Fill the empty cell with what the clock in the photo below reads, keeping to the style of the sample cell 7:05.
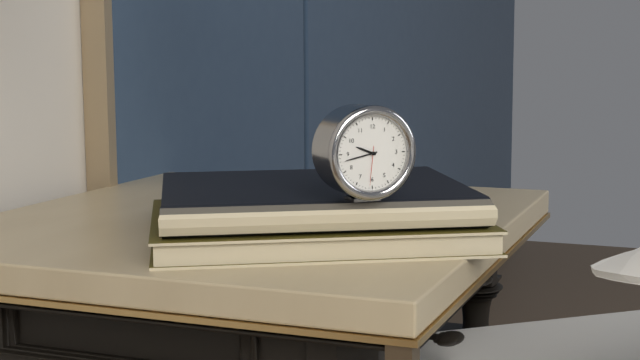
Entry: 9:43
